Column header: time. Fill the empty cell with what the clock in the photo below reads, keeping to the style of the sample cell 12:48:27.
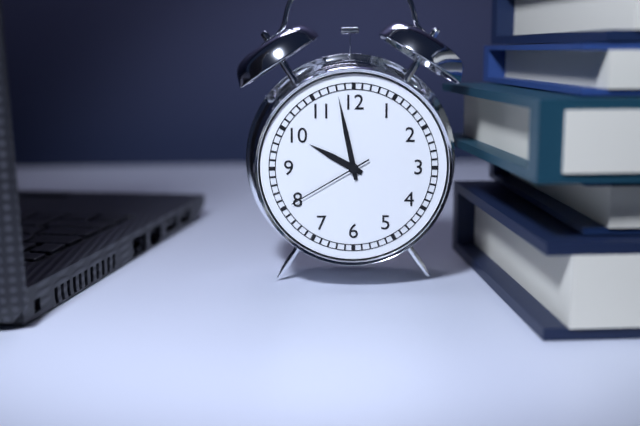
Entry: 9:58:40
